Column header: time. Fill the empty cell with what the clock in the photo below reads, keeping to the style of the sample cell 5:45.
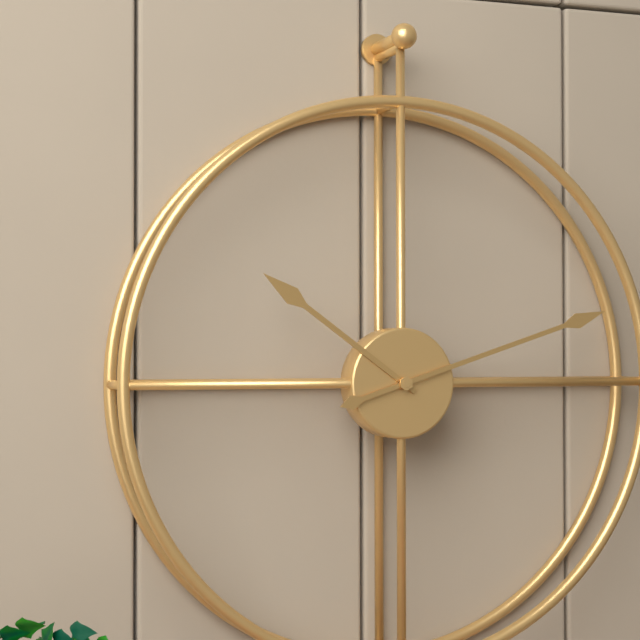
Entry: 10:12
